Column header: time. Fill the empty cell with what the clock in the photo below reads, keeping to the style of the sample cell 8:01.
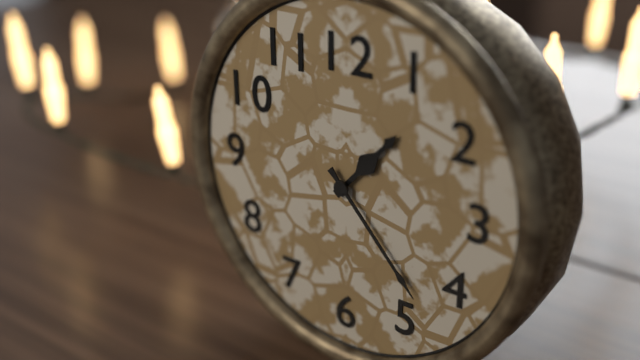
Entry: 1:23
